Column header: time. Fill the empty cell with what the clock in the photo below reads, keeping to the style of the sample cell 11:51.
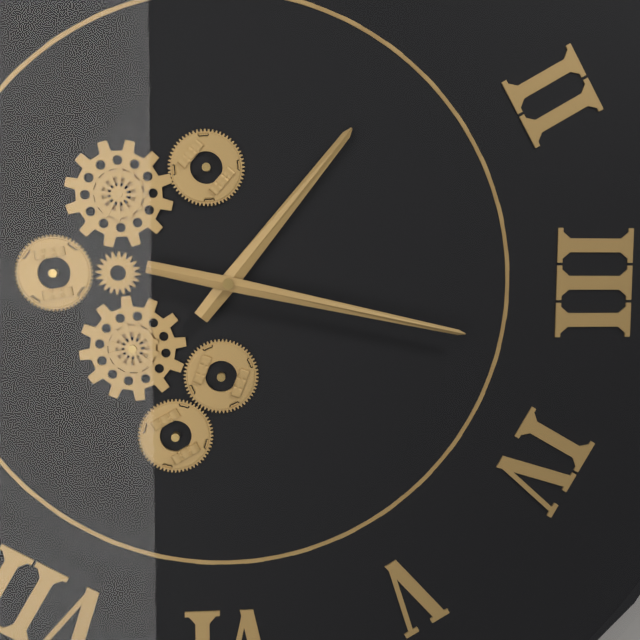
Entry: 1:17
